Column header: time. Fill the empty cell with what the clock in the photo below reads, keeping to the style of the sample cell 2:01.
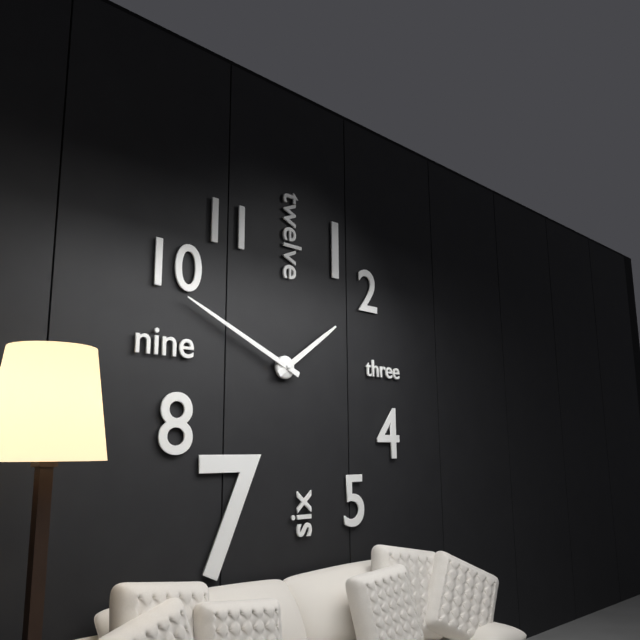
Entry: 1:49
